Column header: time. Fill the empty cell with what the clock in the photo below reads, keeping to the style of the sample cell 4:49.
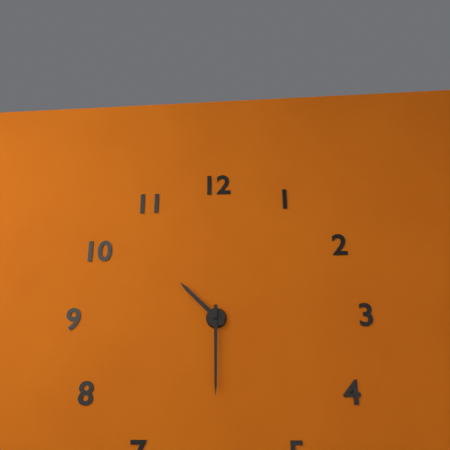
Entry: 10:30
